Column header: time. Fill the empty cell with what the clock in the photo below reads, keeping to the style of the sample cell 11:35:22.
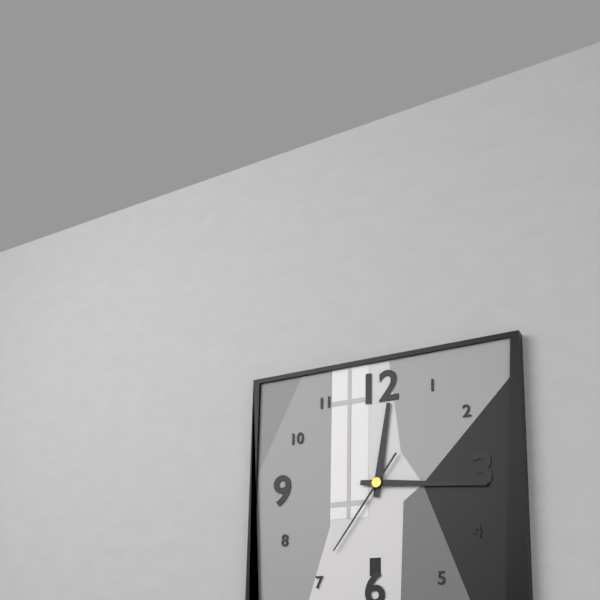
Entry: 12:16:36
